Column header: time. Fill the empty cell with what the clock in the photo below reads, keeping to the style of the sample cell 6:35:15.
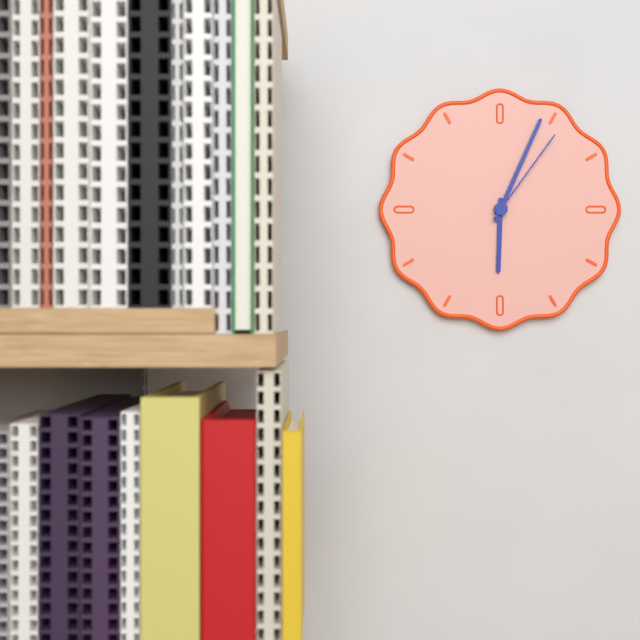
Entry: 6:04:06
